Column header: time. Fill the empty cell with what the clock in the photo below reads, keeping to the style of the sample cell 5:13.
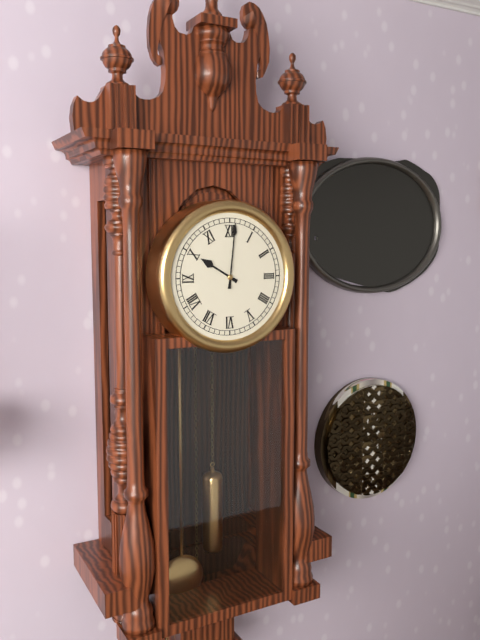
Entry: 10:01
